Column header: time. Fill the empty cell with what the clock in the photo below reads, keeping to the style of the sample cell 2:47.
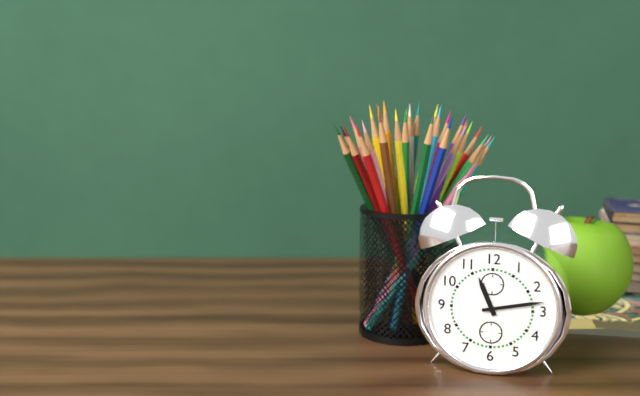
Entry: 11:13
